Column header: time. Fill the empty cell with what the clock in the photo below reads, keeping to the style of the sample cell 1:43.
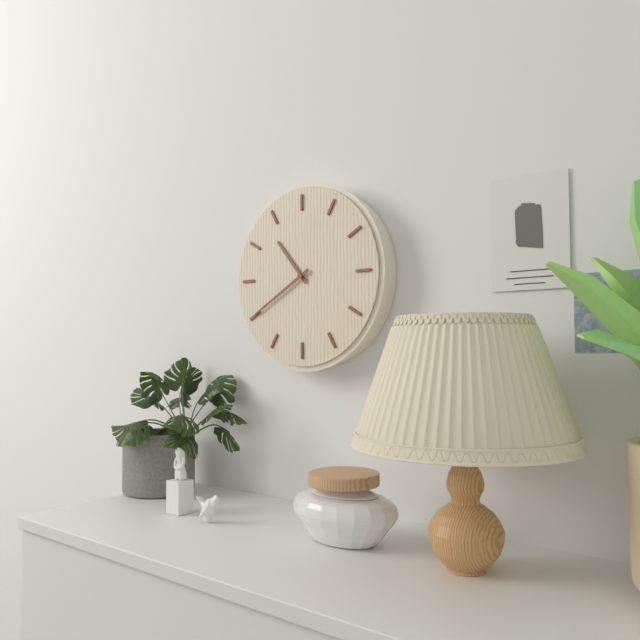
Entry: 10:40
